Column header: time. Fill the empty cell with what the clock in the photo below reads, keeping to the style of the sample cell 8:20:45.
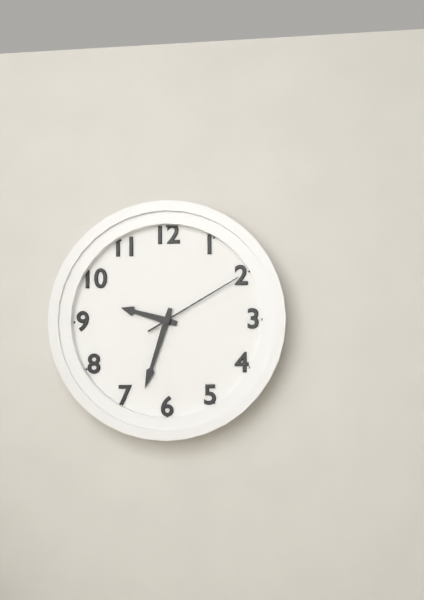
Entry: 9:33:10
